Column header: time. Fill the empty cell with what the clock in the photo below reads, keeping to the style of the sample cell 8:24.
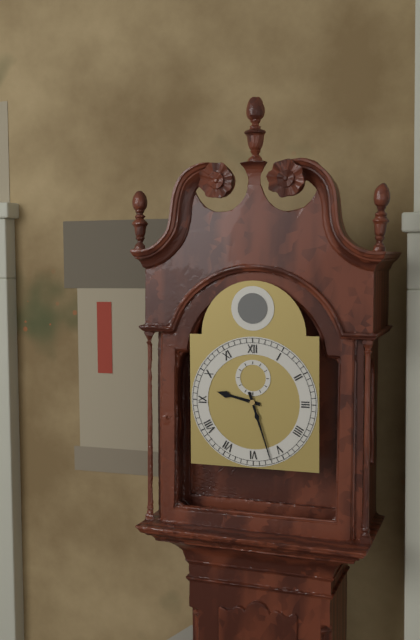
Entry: 9:27
